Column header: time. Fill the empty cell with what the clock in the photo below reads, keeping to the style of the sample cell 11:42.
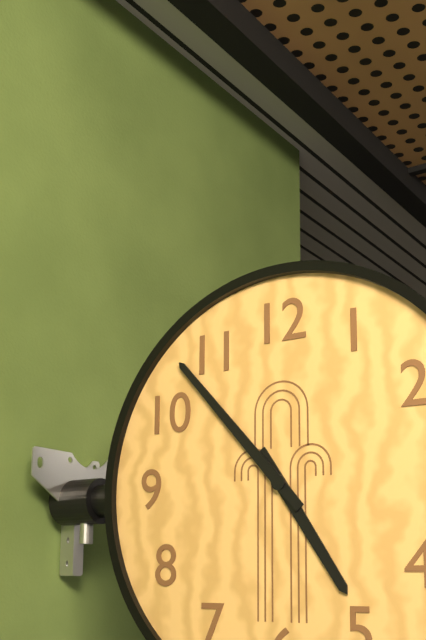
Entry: 4:53
